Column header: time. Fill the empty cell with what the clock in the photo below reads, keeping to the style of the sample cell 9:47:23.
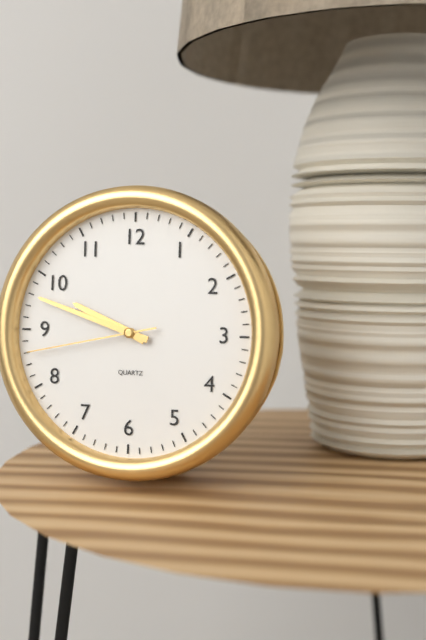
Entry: 9:48:43
